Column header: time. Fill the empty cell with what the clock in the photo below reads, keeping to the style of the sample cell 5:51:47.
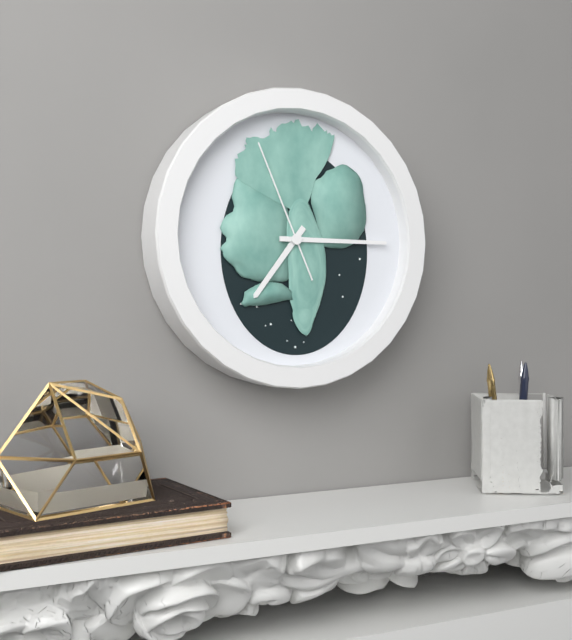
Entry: 7:15:56
